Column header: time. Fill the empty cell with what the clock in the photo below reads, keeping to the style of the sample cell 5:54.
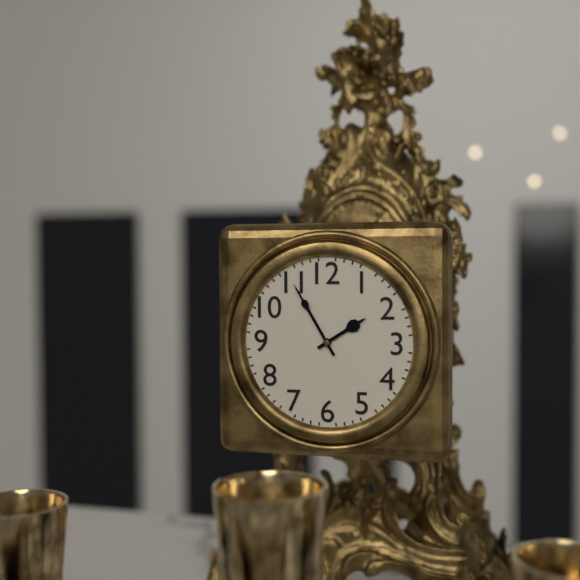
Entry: 1:55
